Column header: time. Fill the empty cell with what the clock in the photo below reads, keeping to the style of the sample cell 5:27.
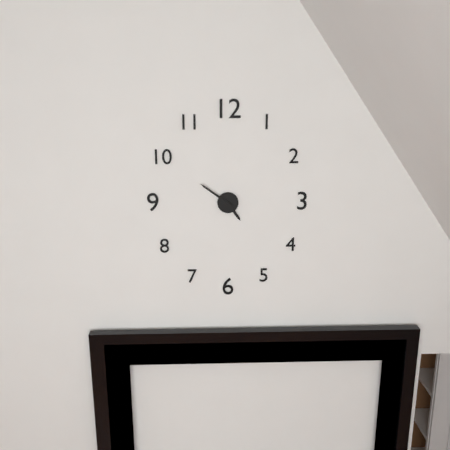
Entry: 4:51
